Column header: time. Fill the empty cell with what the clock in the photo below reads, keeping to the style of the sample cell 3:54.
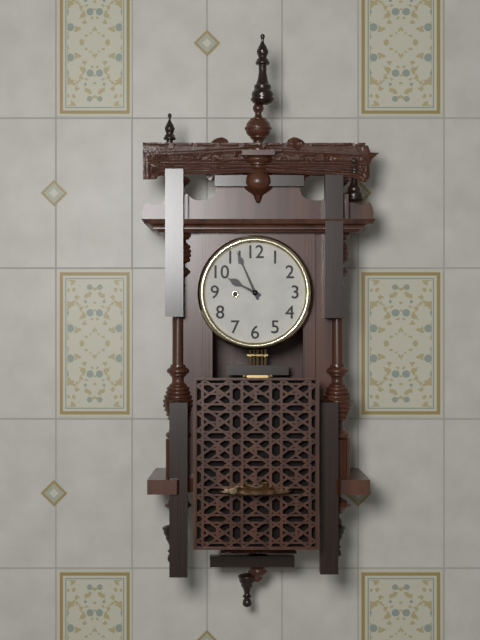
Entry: 9:56
